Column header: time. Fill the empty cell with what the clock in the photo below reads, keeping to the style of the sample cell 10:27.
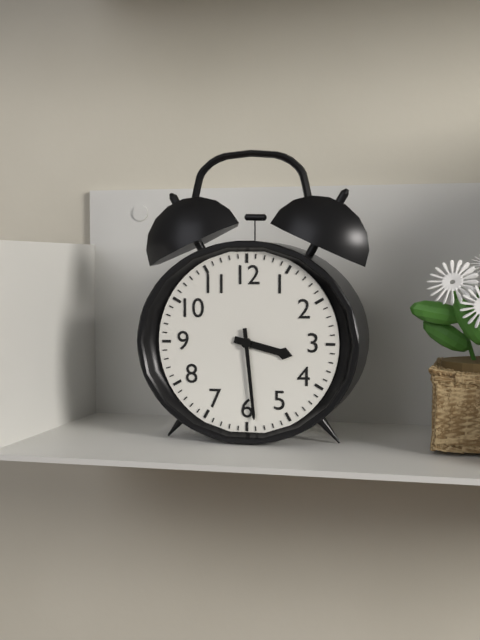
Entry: 3:29
